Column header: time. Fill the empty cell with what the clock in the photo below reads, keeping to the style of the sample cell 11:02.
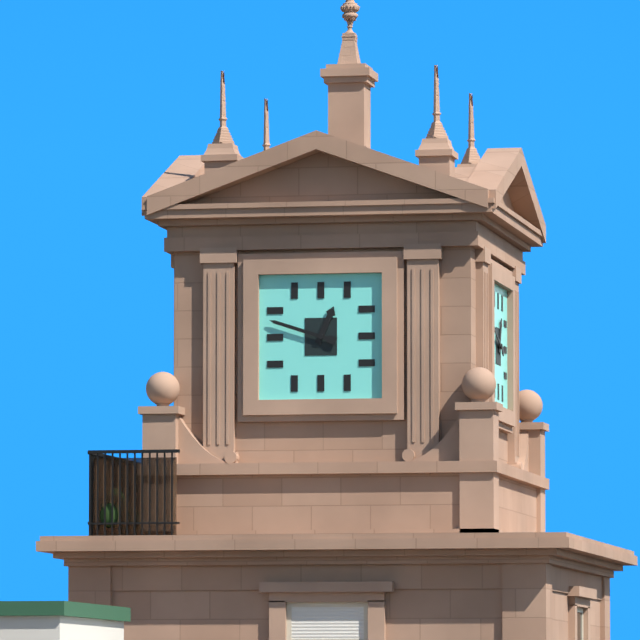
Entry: 12:48
